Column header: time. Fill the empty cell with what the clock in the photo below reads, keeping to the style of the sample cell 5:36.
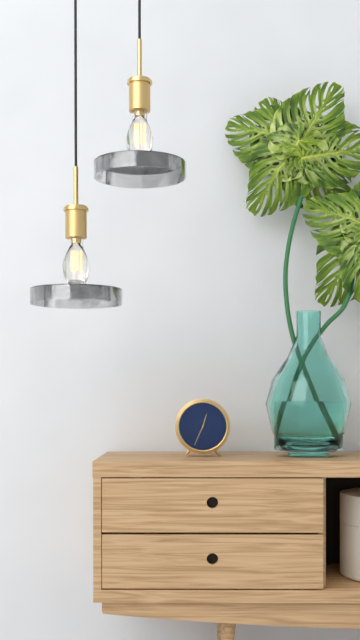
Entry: 12:34
